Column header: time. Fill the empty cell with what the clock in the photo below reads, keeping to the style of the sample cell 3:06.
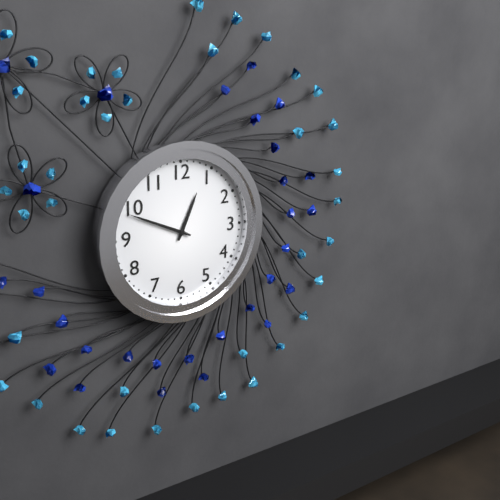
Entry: 12:49
